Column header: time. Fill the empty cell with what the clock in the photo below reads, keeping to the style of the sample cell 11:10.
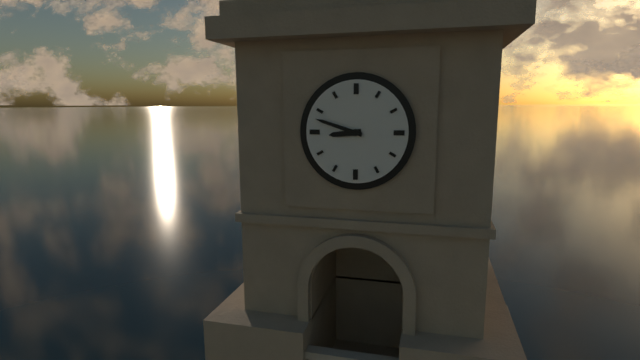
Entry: 8:48
